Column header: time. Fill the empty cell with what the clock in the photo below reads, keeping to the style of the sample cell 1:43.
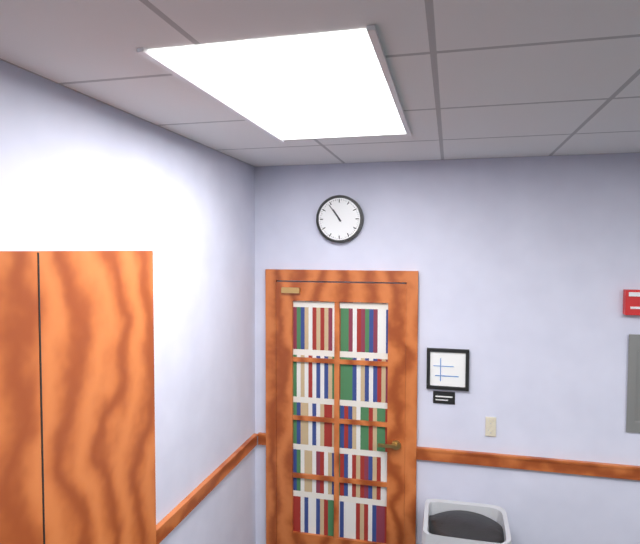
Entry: 10:54
